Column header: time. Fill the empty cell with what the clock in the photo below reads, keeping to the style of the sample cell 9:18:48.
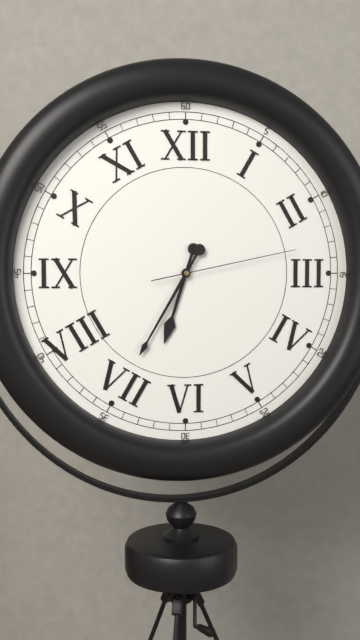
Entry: 6:35:13
